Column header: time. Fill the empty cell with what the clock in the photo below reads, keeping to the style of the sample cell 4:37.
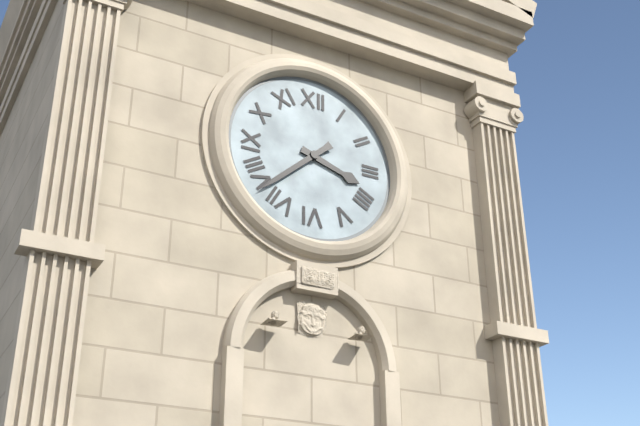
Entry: 3:38
